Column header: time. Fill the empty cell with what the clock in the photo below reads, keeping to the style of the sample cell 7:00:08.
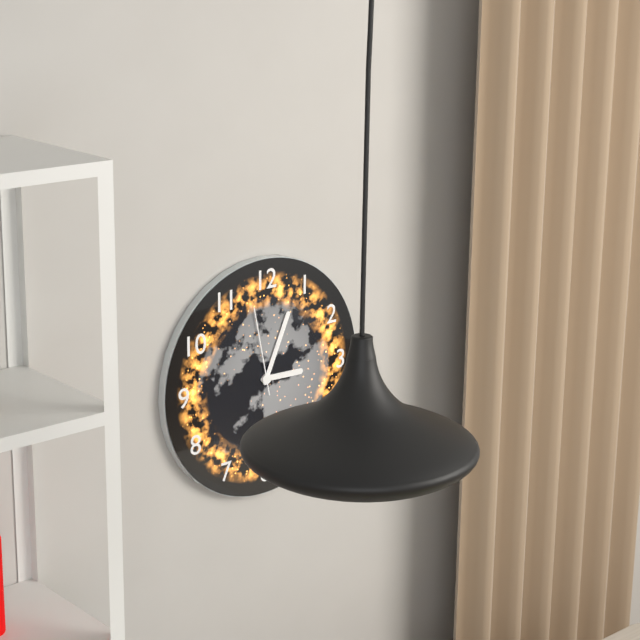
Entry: 3:04:58
